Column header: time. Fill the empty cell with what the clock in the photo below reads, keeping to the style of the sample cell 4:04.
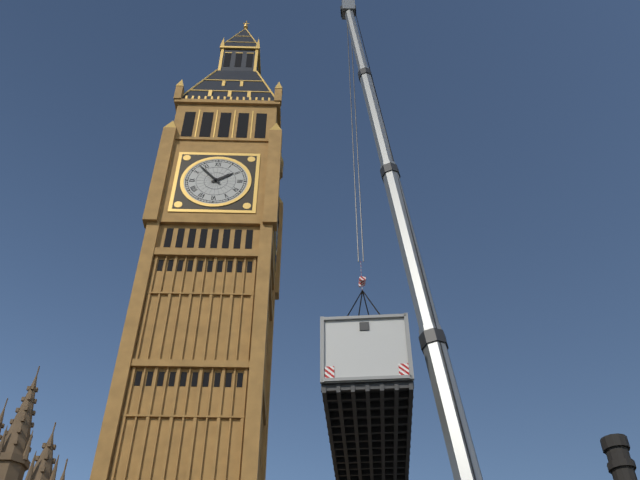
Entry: 1:53
